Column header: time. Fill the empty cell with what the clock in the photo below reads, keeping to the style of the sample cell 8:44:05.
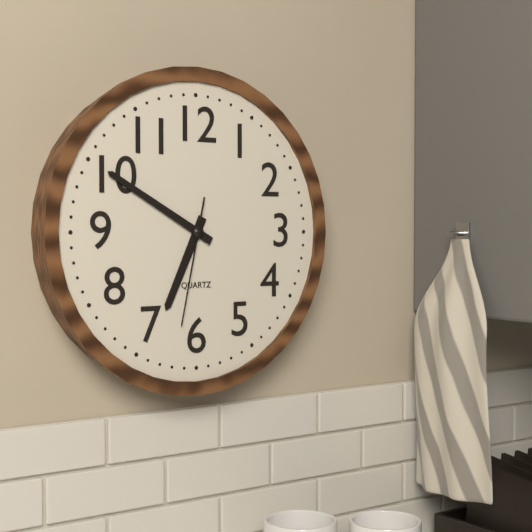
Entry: 6:50:32
